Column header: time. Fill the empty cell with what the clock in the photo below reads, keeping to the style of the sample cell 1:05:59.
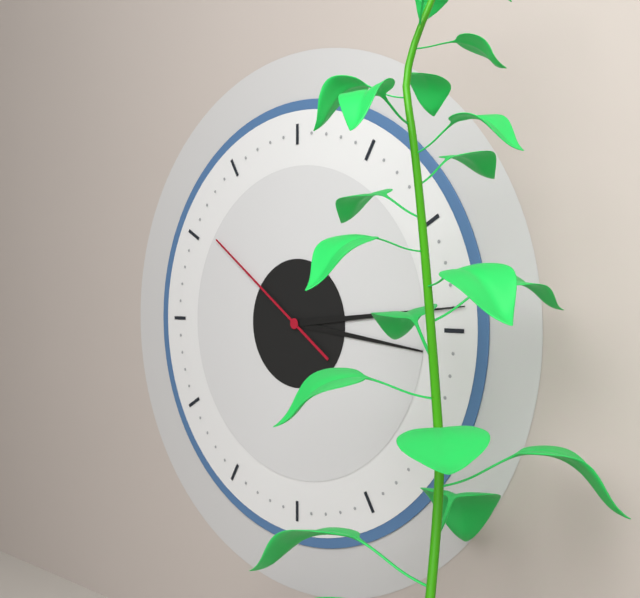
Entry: 3:14:51
